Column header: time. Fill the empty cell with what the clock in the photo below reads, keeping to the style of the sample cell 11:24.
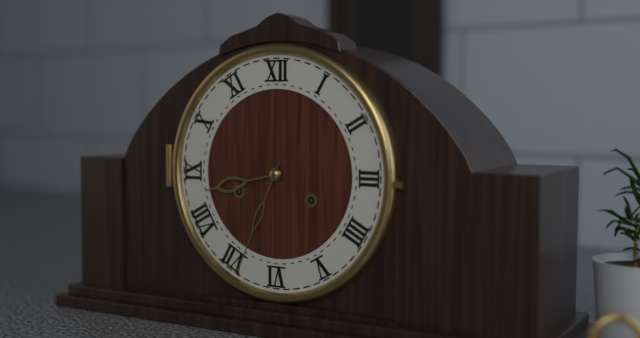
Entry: 8:34
